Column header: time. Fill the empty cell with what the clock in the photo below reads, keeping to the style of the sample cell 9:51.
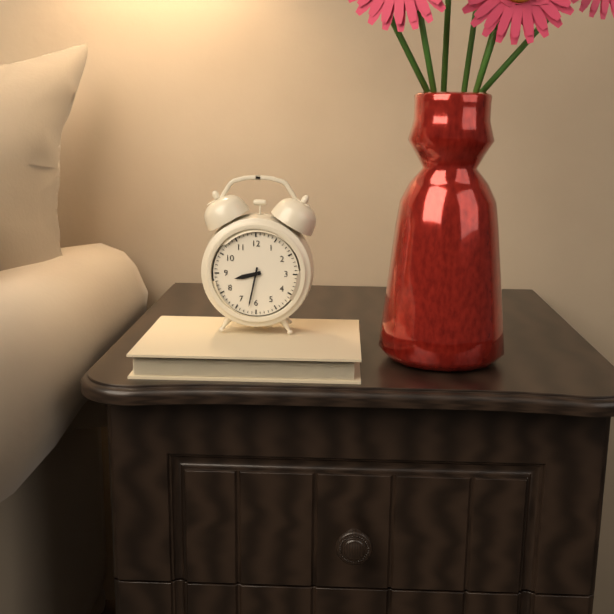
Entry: 8:32
